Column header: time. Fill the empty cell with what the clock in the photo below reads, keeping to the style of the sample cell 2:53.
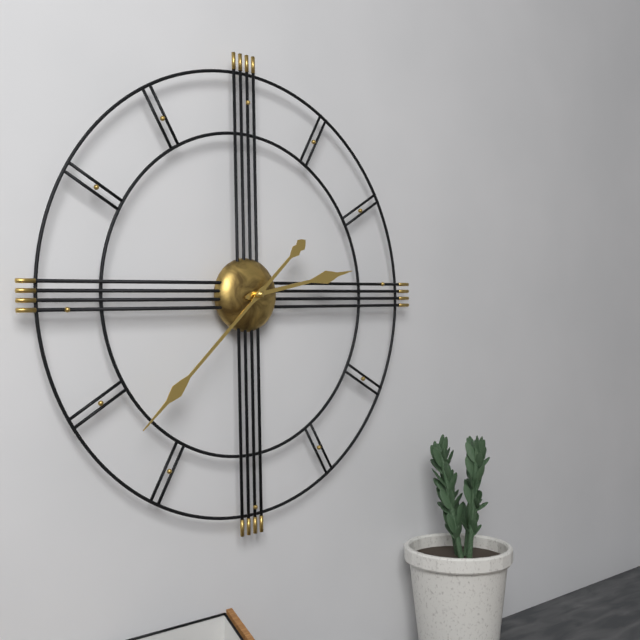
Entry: 2:38
